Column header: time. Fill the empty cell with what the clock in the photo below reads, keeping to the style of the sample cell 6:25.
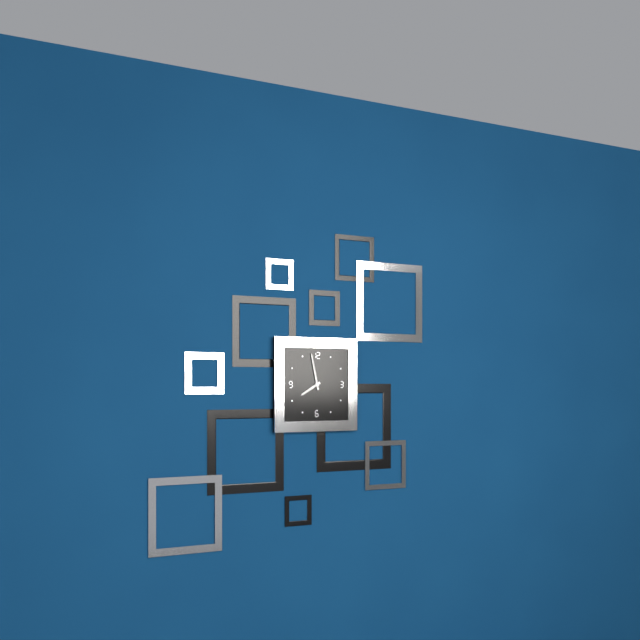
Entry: 7:58
